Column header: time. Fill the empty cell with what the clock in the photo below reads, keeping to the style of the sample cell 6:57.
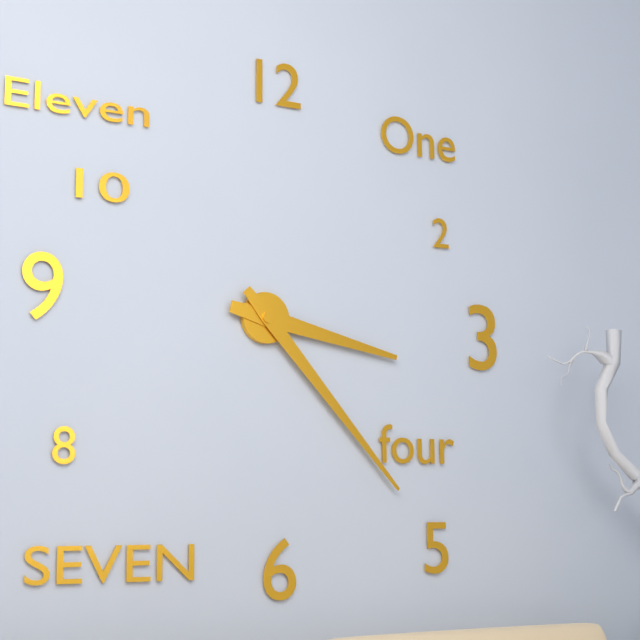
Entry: 3:23
